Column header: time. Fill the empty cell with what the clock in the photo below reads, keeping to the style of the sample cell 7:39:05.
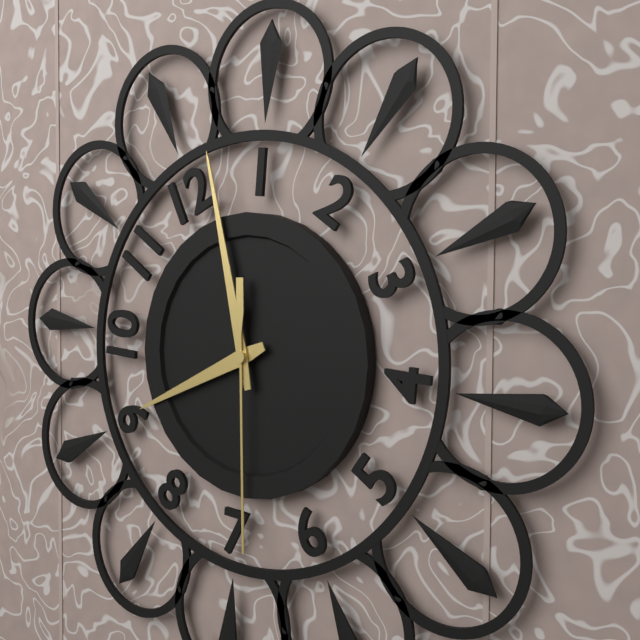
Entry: 9:02:34
